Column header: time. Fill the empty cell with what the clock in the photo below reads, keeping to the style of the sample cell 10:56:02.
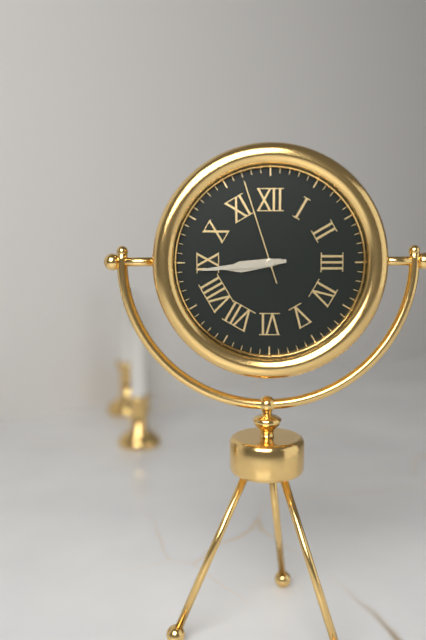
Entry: 8:44:57
